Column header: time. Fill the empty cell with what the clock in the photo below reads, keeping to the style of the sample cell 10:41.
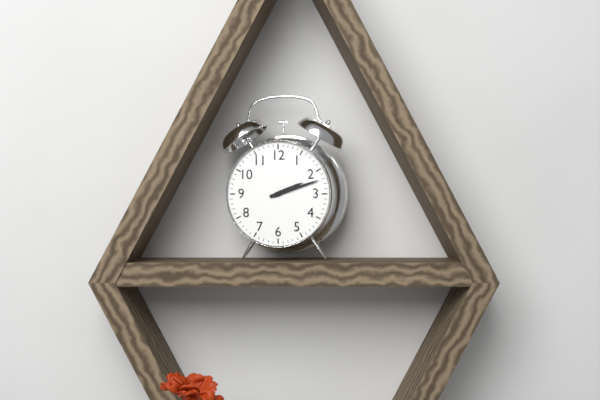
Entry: 2:12
